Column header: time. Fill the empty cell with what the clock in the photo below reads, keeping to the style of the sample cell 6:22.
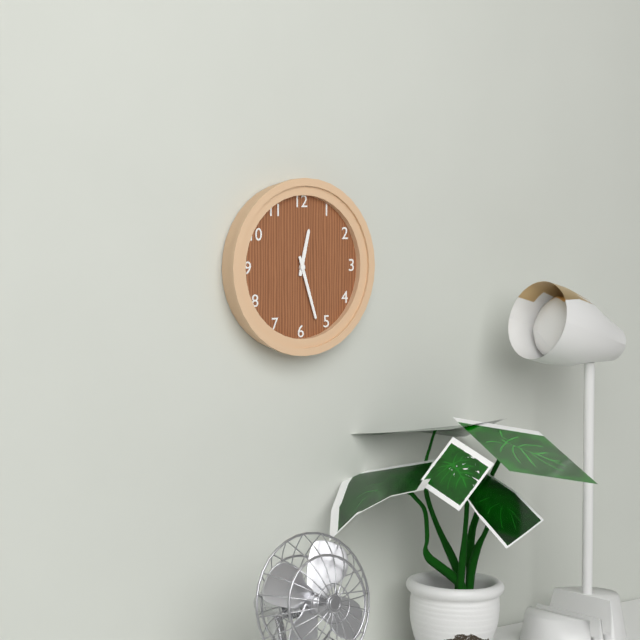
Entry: 12:27
